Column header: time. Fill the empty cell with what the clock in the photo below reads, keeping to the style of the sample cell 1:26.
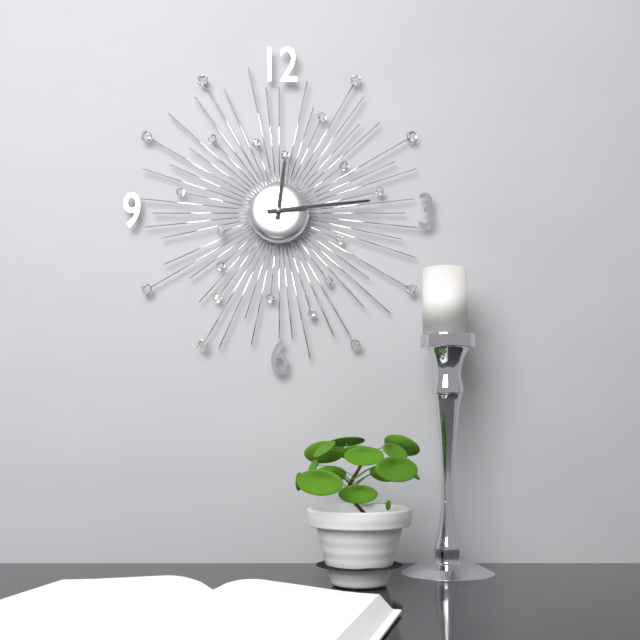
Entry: 12:14
